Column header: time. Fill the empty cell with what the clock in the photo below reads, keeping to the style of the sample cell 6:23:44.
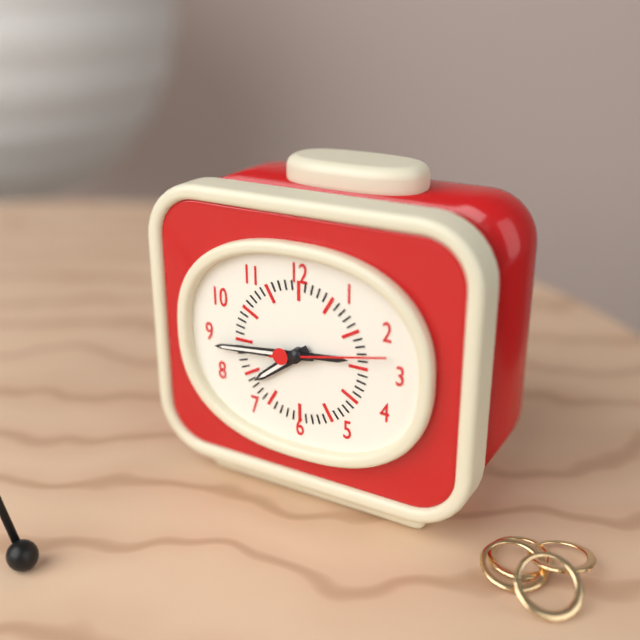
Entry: 7:44:13
